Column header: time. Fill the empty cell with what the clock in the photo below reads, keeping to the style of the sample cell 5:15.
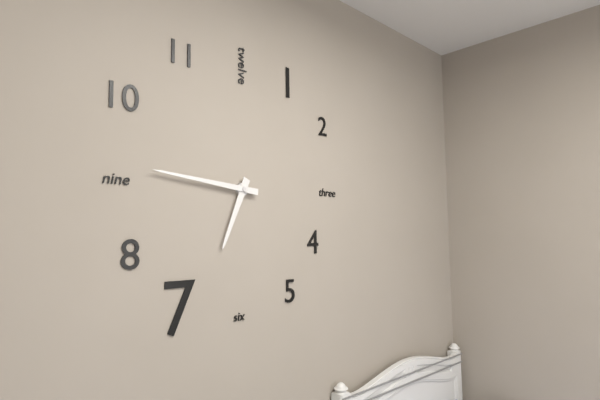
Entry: 6:46
